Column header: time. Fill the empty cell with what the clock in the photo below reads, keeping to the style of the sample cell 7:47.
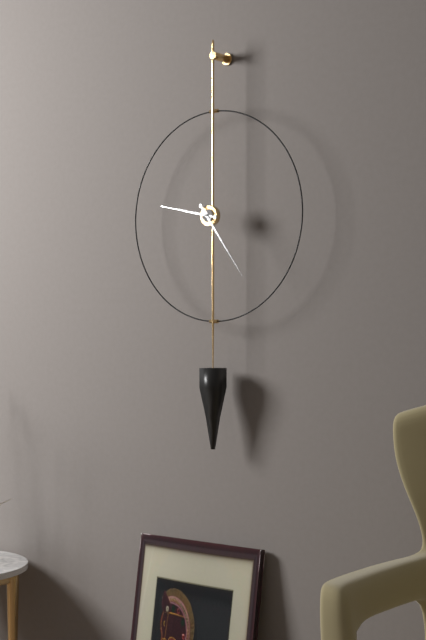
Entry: 9:24
